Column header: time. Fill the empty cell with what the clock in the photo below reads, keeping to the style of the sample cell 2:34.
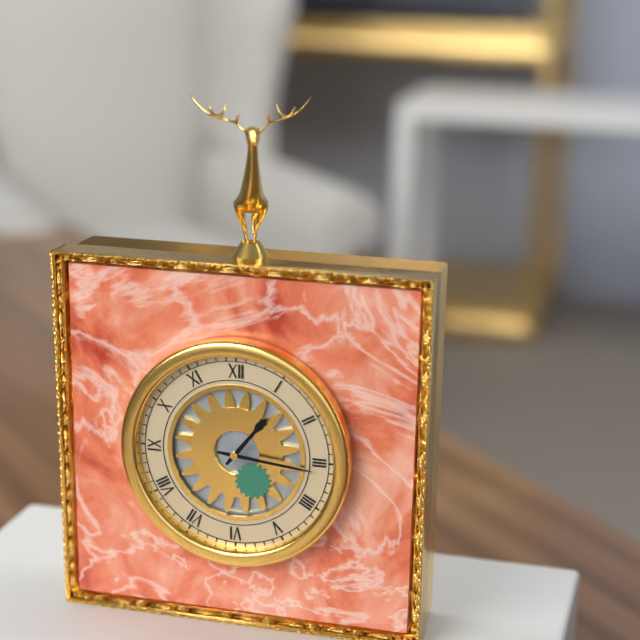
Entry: 1:16
